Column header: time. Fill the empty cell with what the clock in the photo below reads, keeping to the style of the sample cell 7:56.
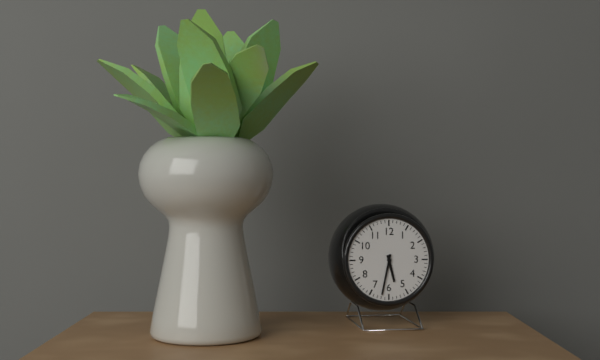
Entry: 5:32
